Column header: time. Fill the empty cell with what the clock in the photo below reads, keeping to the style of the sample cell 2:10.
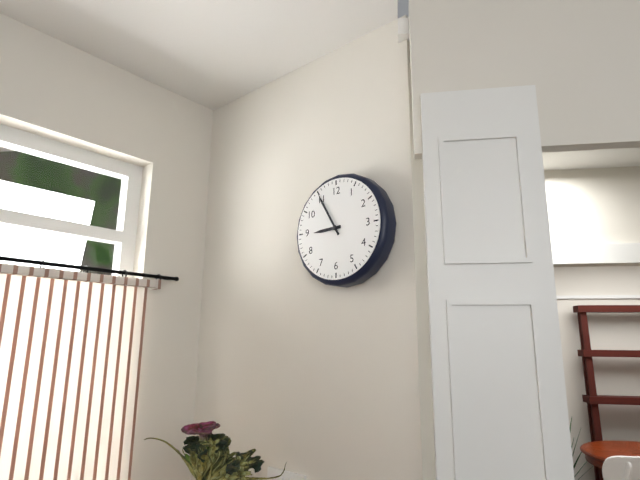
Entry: 8:55
